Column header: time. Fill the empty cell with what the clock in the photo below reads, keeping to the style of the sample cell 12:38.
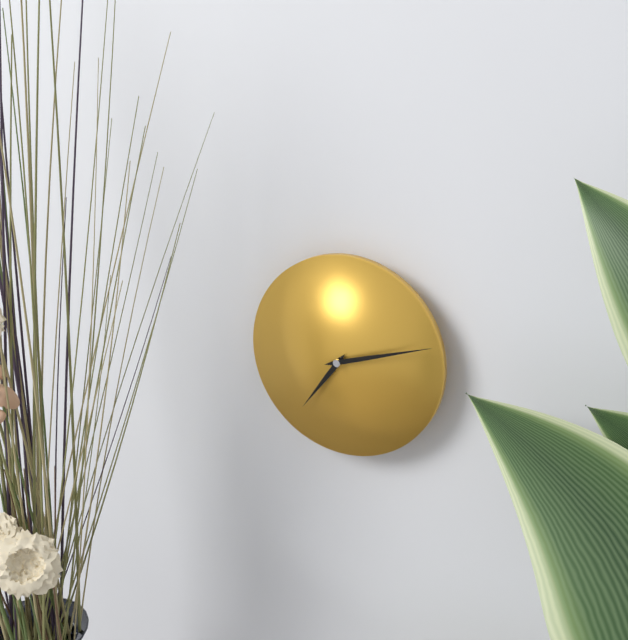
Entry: 7:12
